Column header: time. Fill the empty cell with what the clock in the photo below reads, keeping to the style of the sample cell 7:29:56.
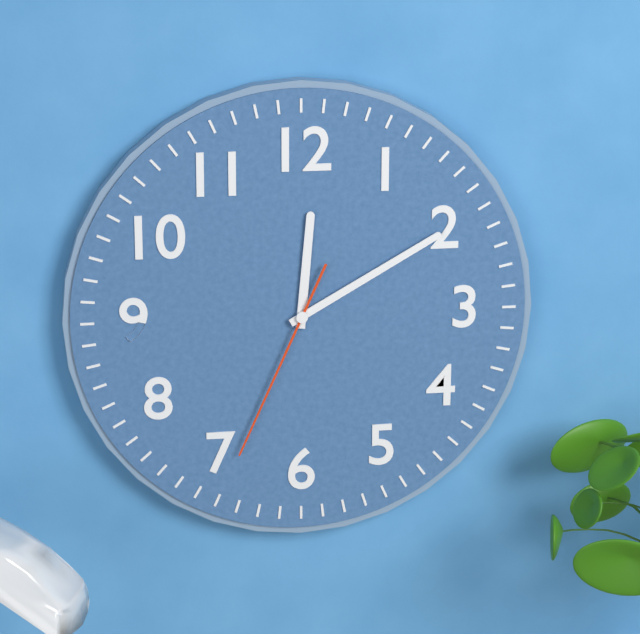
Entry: 12:10:34
